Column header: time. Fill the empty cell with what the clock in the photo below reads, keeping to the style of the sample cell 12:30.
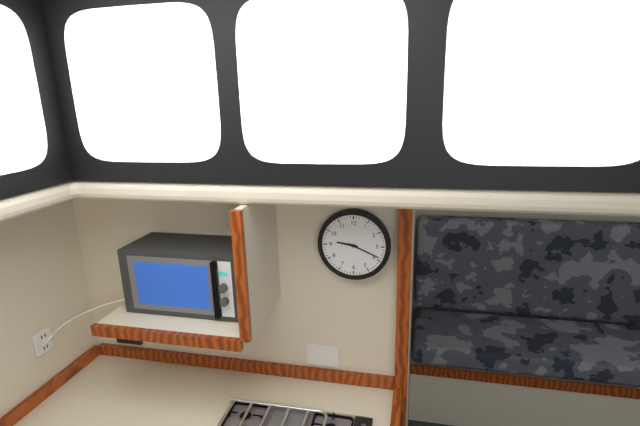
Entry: 9:19
